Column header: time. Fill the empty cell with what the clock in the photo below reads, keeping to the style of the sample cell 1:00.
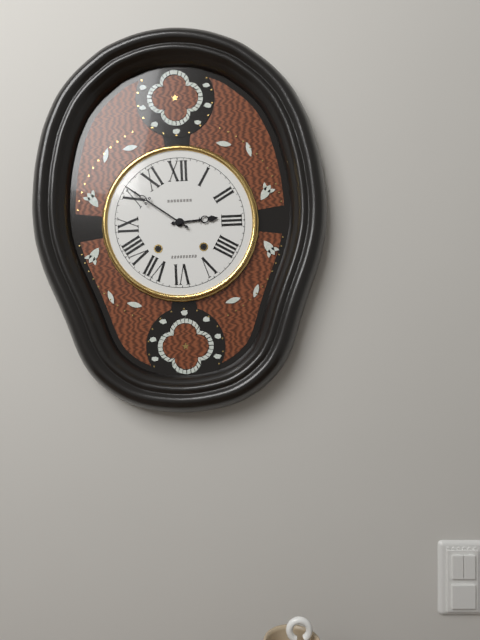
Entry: 2:51
